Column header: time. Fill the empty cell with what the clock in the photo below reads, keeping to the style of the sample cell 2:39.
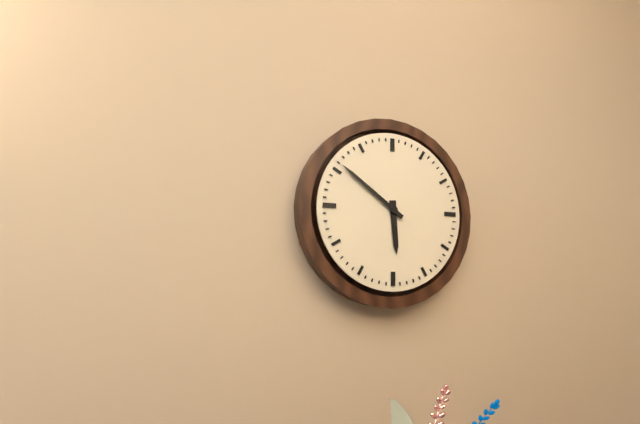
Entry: 5:51
